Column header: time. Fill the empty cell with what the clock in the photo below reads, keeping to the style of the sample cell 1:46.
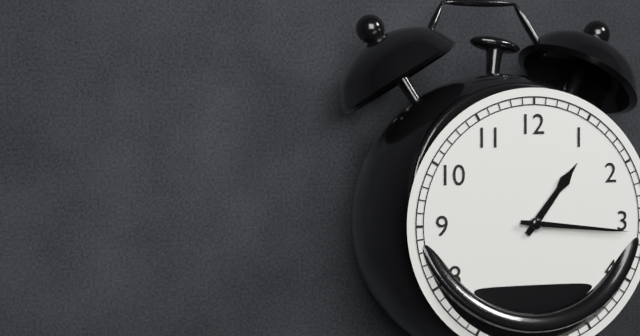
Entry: 1:16
